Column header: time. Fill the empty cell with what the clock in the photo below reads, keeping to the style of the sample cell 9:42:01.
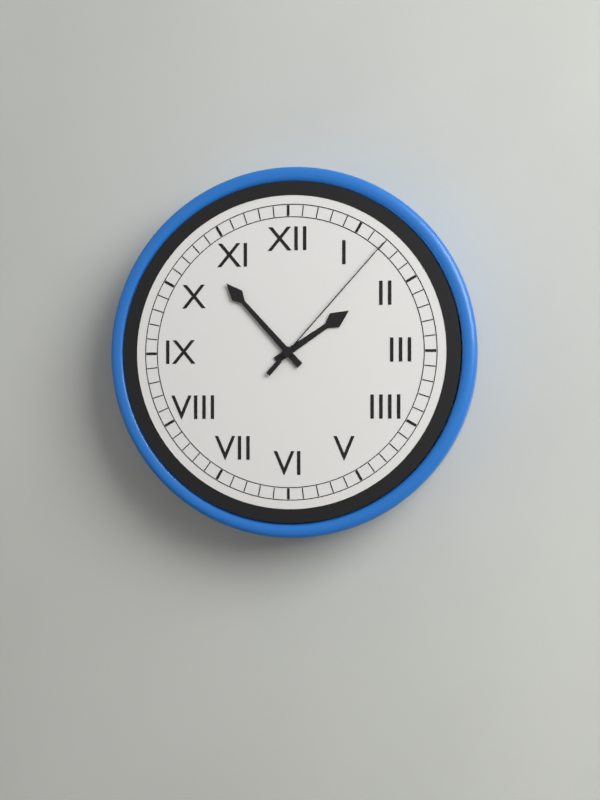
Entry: 1:53:07
